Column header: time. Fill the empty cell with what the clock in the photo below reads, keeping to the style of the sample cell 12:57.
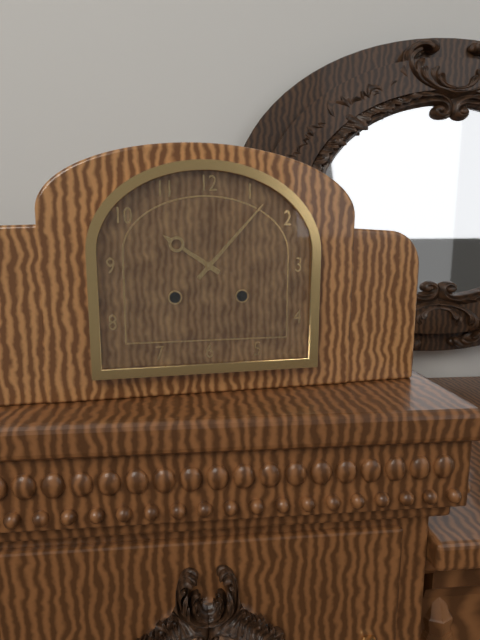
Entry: 10:07
